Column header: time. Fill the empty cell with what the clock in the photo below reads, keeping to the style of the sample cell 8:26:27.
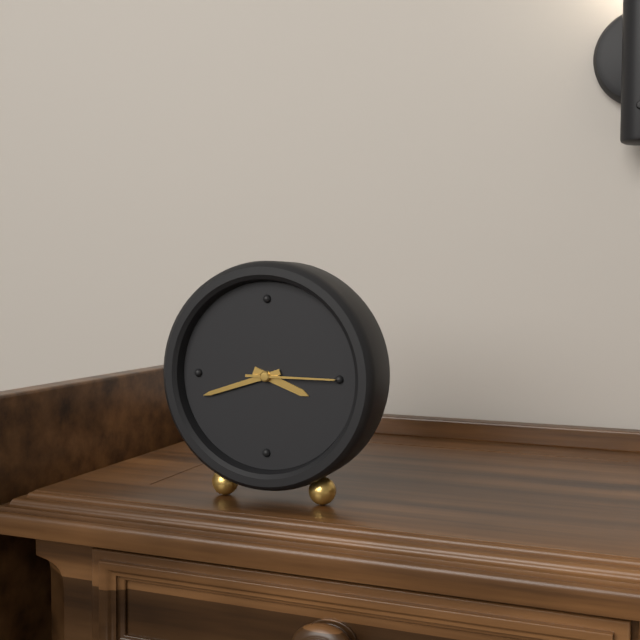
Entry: 3:42:15
